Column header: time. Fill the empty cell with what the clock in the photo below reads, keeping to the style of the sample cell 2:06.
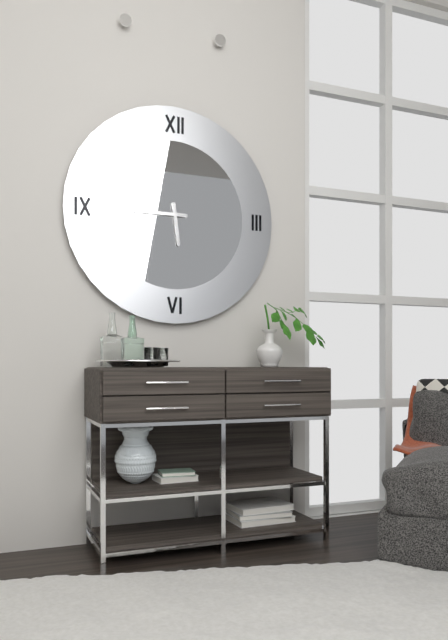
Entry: 5:45
